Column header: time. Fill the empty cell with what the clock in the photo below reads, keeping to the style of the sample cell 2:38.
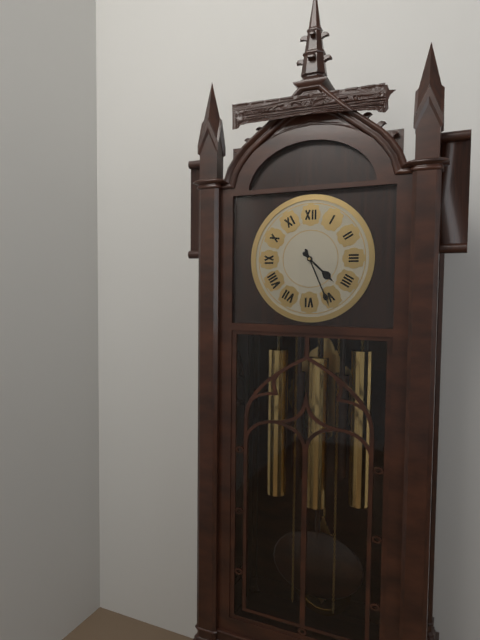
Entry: 4:26
